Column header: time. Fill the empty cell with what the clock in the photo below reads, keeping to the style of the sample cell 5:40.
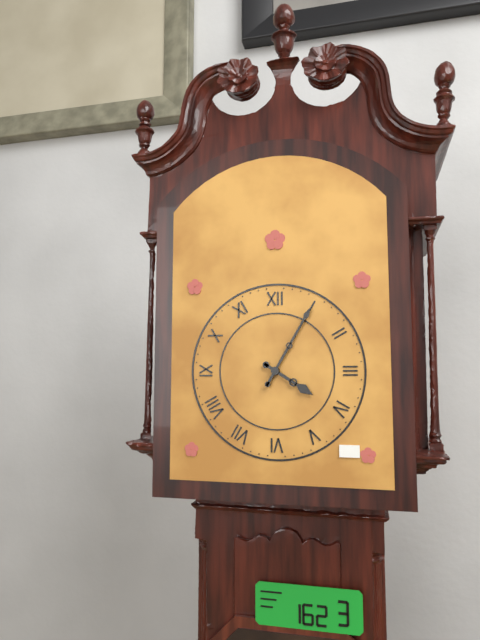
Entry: 4:05
